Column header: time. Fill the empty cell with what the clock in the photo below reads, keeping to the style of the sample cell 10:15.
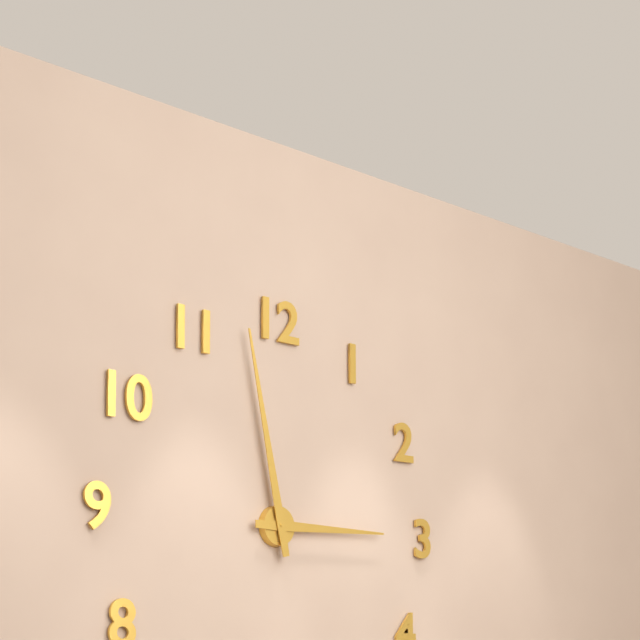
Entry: 2:58
